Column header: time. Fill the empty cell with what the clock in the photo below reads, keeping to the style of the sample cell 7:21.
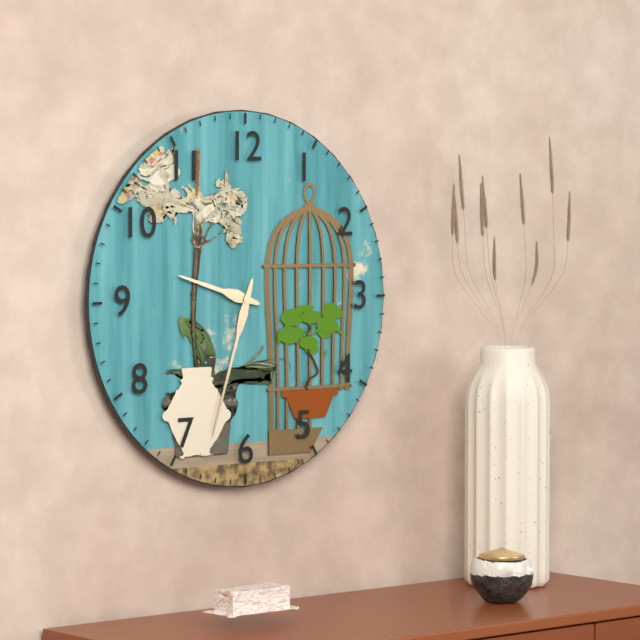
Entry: 9:33
